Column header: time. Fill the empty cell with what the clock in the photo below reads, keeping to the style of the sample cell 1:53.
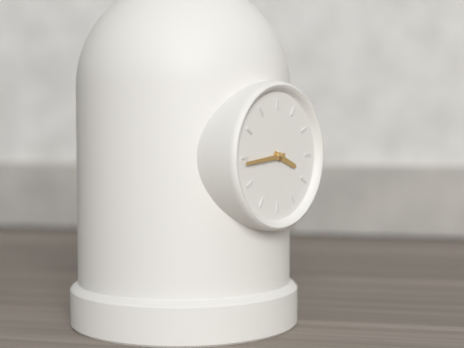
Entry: 3:44
